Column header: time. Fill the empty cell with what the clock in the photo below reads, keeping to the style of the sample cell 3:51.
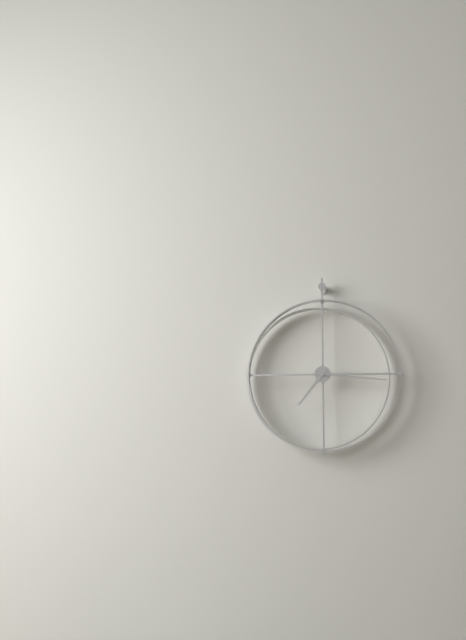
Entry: 7:16
